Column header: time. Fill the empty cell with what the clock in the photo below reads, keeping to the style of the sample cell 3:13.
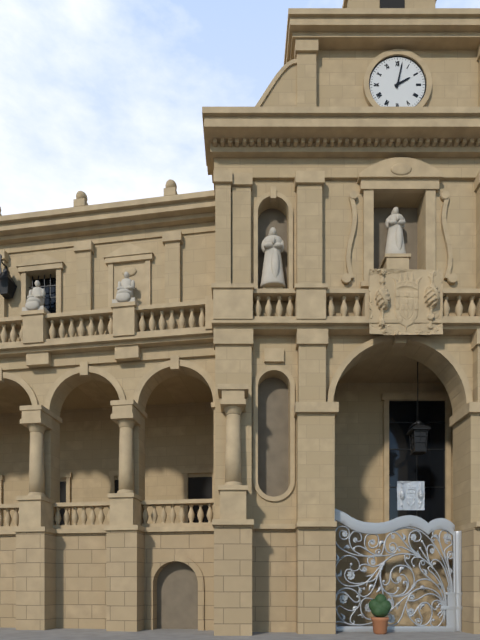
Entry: 2:02
